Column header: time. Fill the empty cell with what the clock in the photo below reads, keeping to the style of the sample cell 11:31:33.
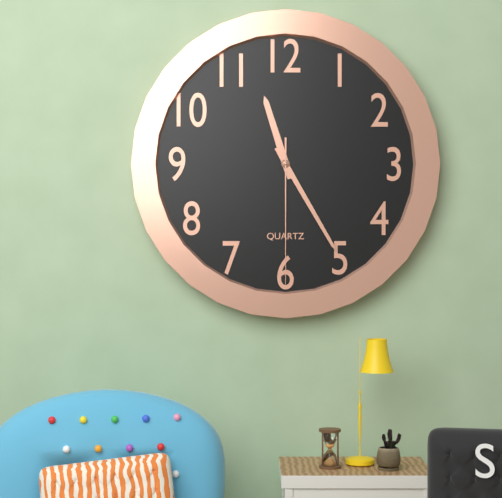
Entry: 11:25:30
